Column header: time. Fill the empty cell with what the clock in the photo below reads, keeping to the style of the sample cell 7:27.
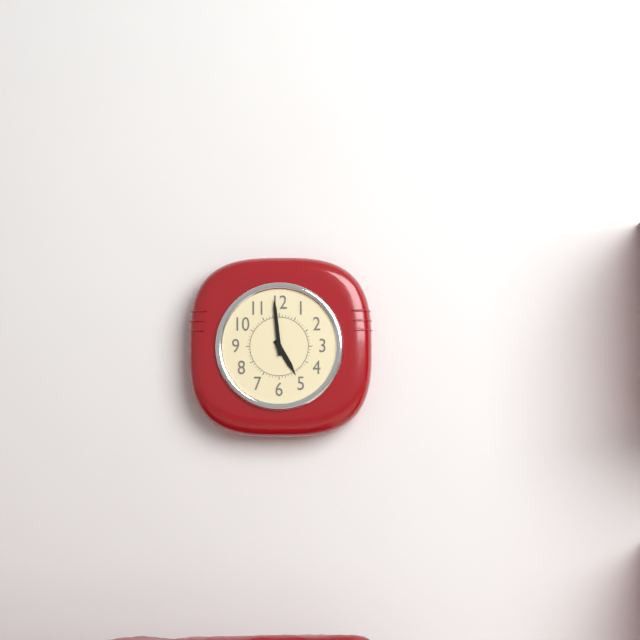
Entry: 4:59
